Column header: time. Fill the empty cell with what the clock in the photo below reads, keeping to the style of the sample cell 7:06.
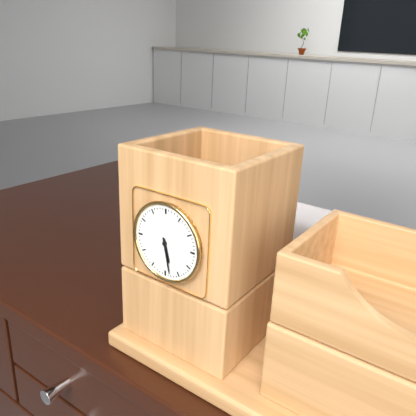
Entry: 5:28
